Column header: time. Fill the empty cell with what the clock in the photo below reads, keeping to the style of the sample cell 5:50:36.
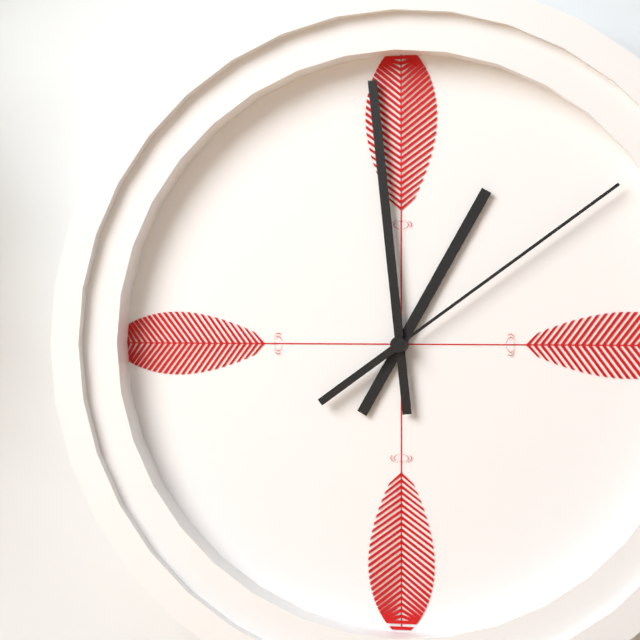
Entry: 12:59:09
